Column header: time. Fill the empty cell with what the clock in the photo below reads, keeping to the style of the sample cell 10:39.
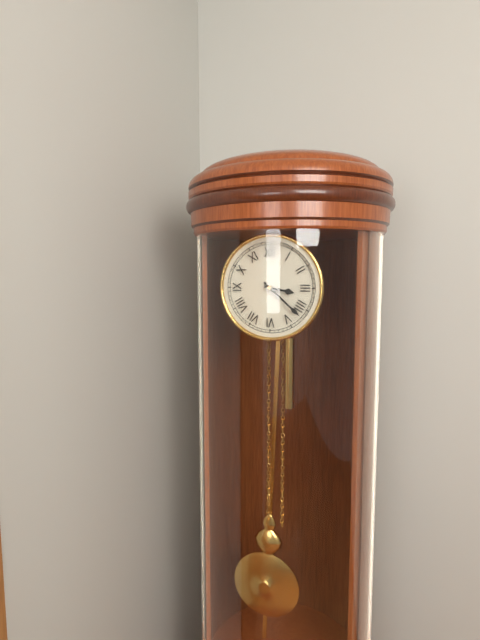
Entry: 3:22
